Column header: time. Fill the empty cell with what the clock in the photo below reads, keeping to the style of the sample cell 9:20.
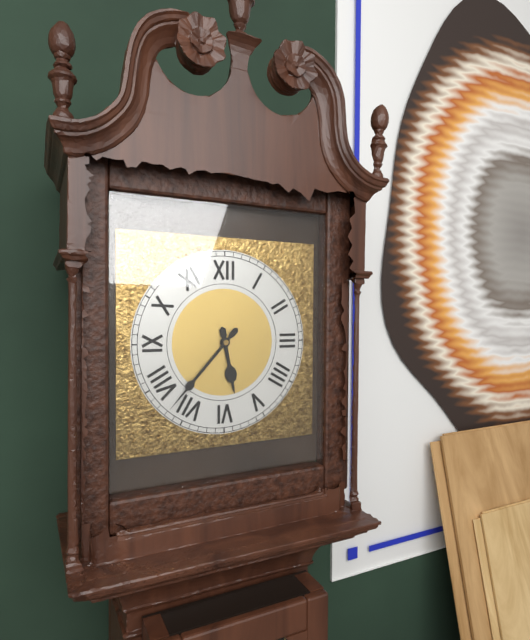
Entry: 5:37
